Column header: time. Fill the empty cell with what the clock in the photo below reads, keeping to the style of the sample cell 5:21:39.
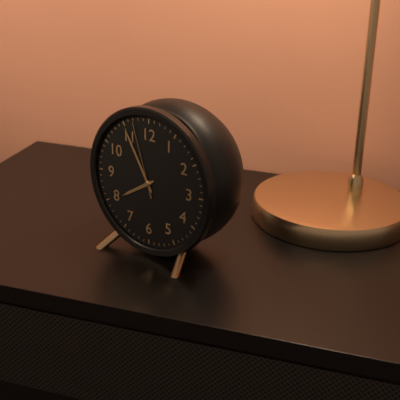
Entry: 7:55:57
